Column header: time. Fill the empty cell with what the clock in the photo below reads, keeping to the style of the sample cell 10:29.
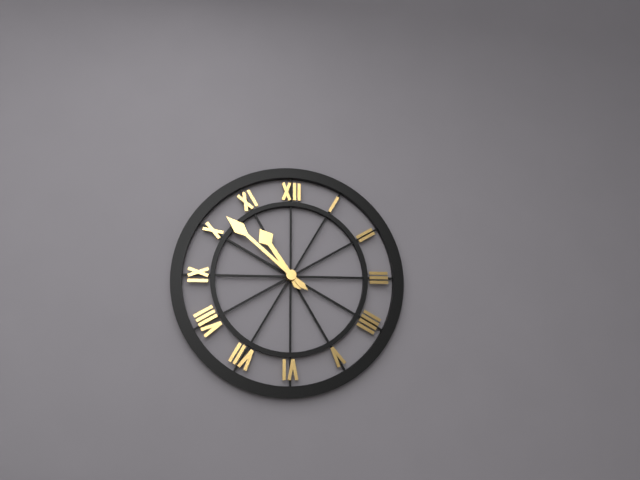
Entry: 10:52
